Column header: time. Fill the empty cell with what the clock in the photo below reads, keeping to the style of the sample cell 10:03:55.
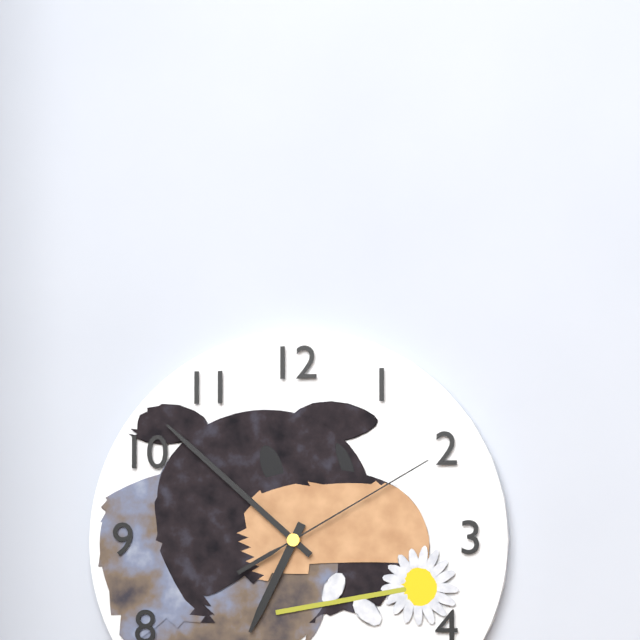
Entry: 6:52:10
